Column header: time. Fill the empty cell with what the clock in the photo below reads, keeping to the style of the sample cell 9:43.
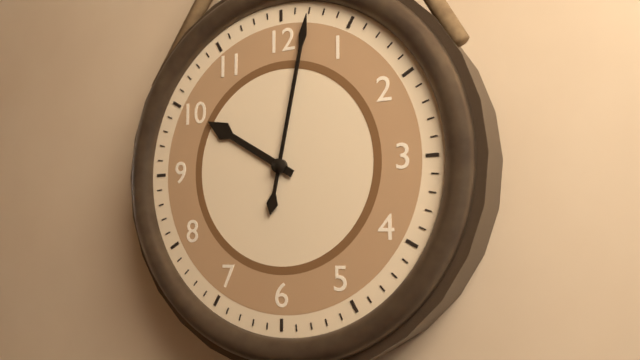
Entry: 10:02
